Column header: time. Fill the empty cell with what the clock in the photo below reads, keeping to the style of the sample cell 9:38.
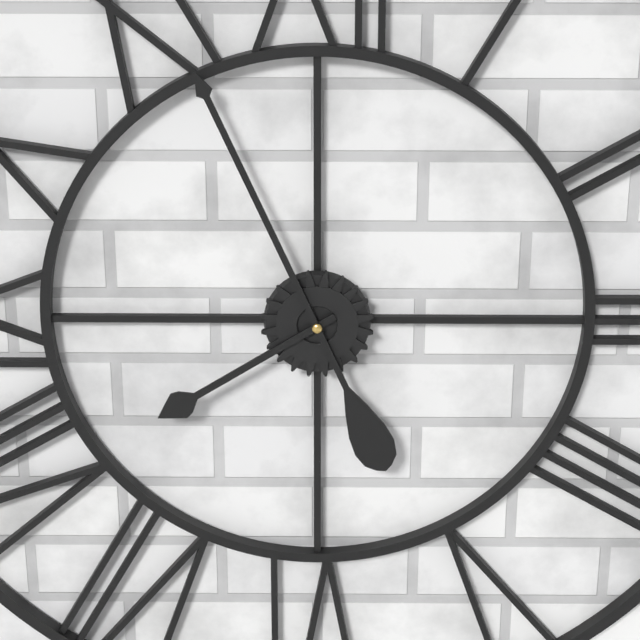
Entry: 7:56
